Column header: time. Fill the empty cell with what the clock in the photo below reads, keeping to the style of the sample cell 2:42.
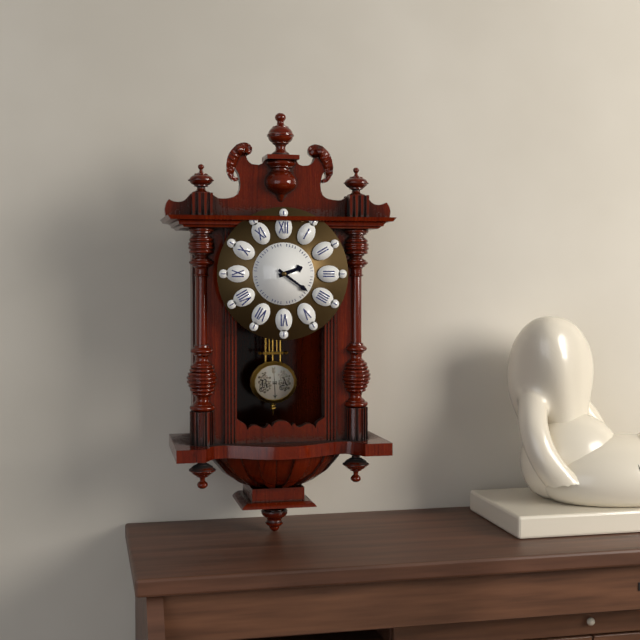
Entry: 2:21
